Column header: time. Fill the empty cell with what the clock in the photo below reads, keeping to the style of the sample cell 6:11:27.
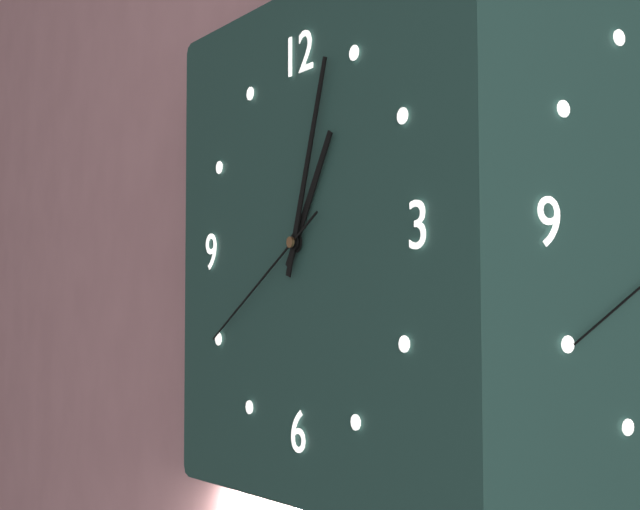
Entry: 1:03:40
